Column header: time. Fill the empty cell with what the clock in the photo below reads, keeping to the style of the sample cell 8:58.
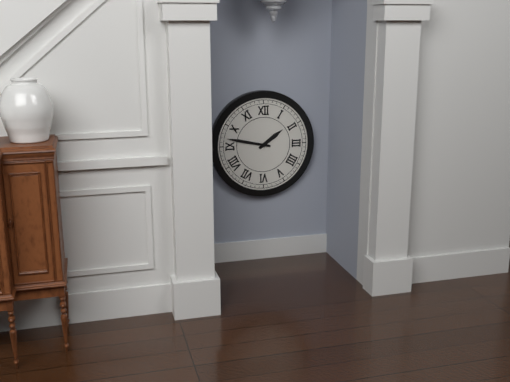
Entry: 1:47
